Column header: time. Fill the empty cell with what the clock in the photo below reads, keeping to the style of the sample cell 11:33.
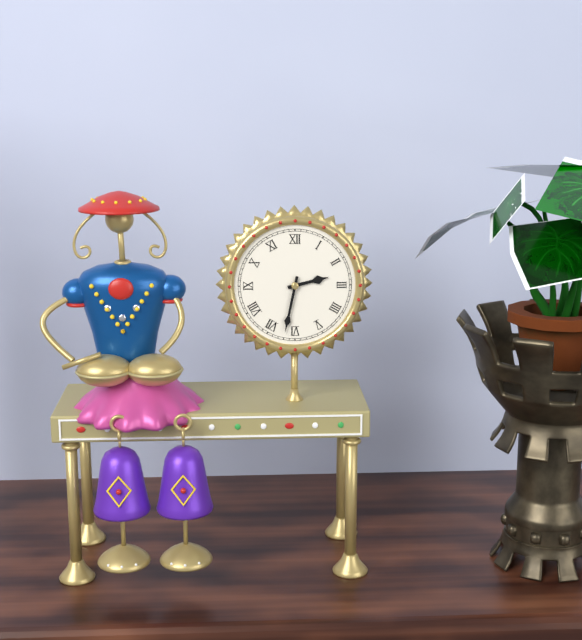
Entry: 2:32
